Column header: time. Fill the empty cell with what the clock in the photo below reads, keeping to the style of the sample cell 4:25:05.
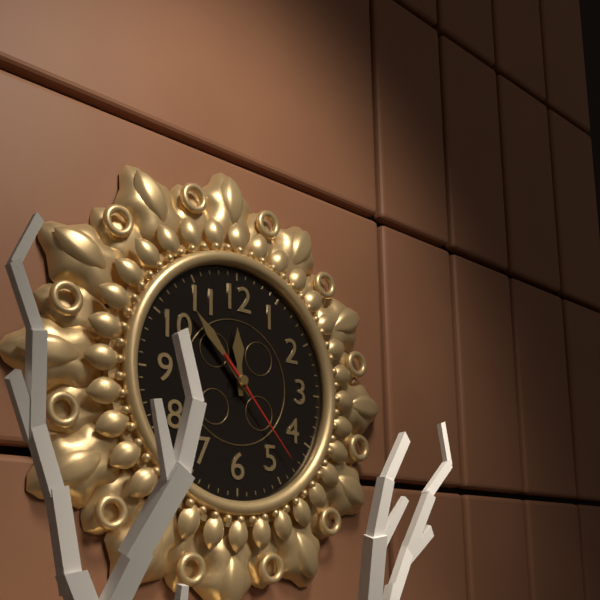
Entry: 11:53:23
